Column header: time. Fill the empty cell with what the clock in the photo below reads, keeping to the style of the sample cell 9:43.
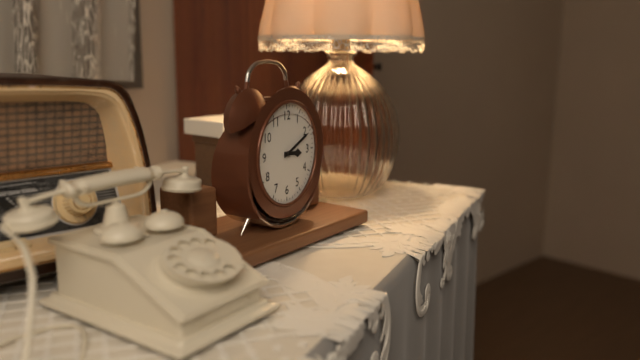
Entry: 3:11
